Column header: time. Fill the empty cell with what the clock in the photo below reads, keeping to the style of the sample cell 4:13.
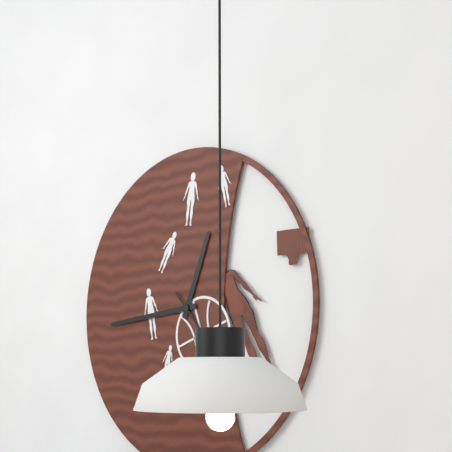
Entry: 12:44
